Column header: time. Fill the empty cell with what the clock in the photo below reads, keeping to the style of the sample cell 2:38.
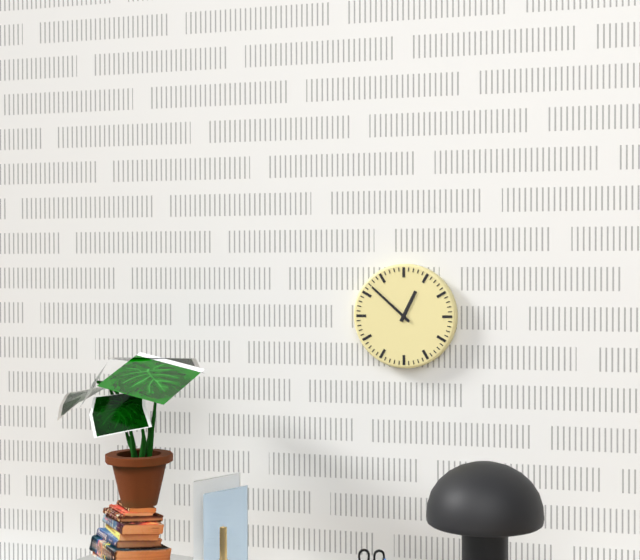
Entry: 12:52
